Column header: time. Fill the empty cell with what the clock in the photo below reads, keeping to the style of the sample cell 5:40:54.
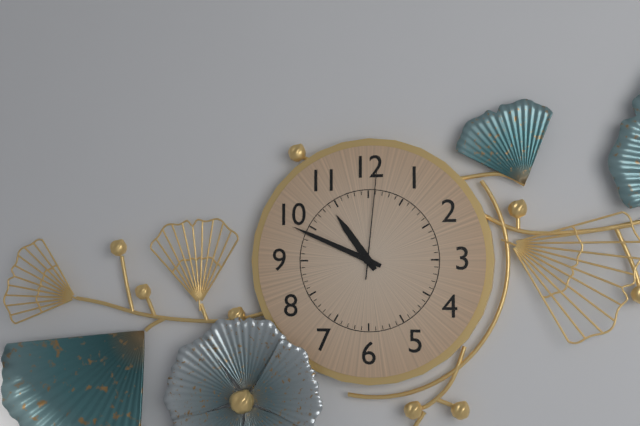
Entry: 10:49:01
